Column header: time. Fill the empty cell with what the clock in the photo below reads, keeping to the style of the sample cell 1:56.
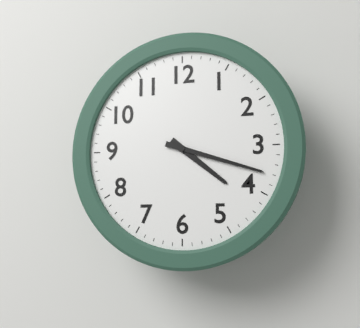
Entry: 4:18
